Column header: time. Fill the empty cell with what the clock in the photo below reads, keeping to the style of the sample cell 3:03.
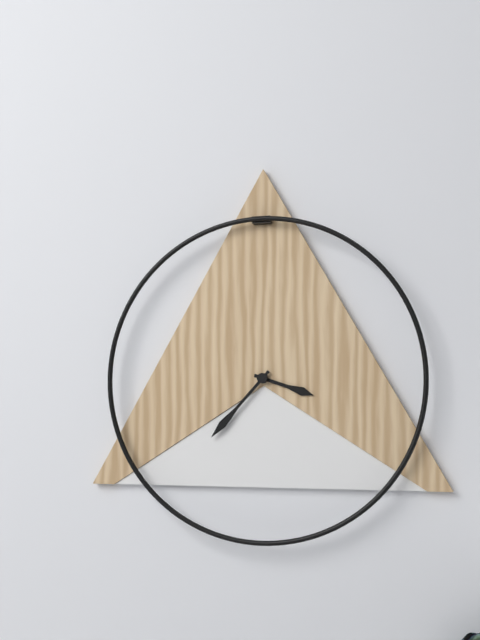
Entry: 3:37
